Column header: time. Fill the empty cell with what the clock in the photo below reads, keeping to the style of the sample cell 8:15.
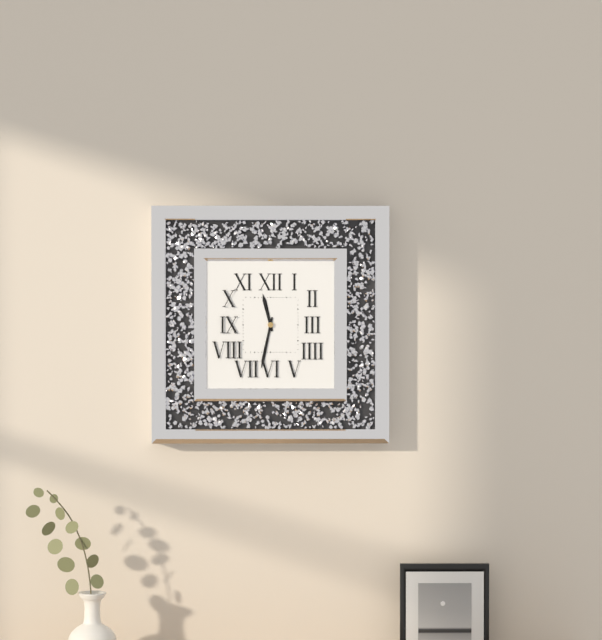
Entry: 11:32
